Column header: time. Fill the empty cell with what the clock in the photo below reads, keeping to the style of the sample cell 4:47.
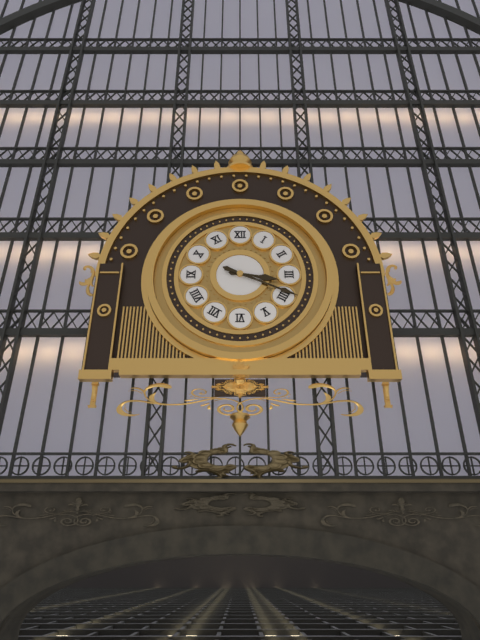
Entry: 3:19
